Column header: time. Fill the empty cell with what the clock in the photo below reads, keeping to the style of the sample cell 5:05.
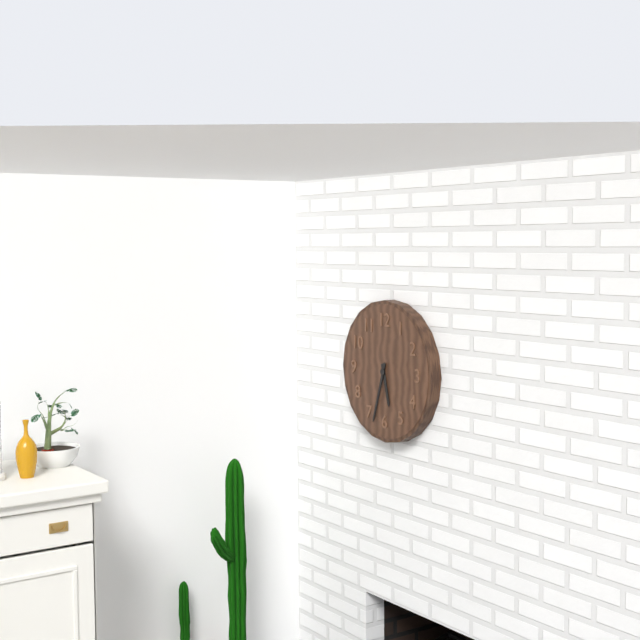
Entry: 5:33
